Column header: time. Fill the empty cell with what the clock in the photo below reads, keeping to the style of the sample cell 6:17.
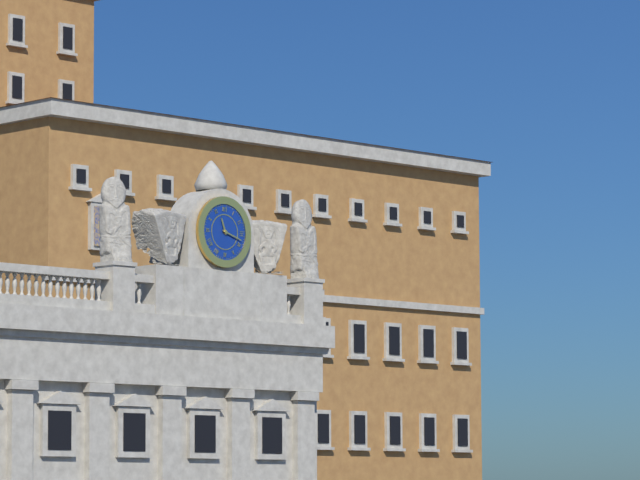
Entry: 11:18
